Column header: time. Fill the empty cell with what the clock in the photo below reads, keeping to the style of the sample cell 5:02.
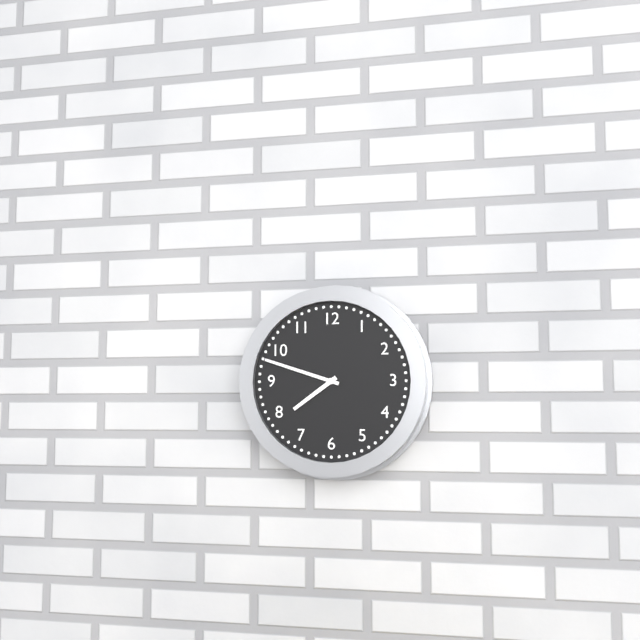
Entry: 7:48
